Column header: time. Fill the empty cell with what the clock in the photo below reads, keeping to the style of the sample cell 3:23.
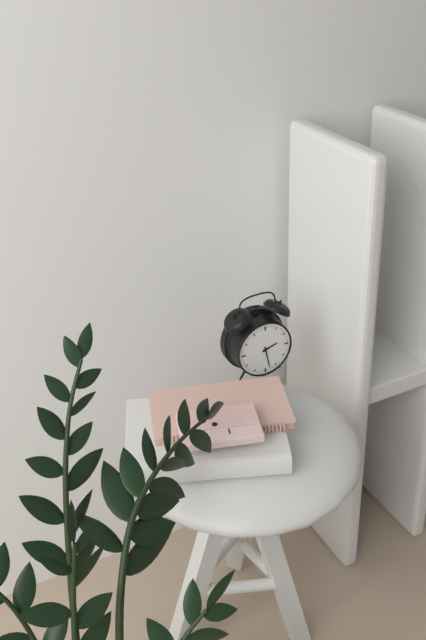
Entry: 2:28
